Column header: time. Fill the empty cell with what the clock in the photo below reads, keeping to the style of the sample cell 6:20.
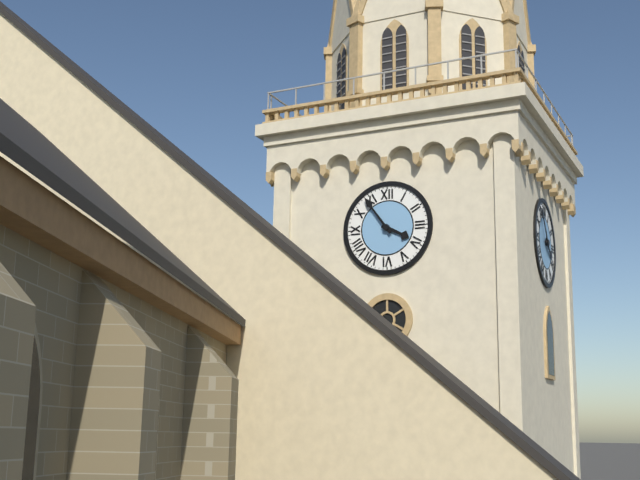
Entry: 3:54
